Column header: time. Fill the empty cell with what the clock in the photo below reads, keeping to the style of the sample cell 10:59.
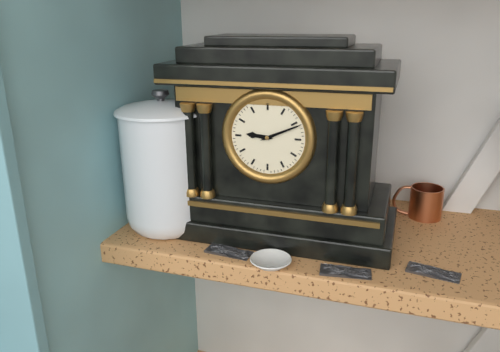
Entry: 9:11
